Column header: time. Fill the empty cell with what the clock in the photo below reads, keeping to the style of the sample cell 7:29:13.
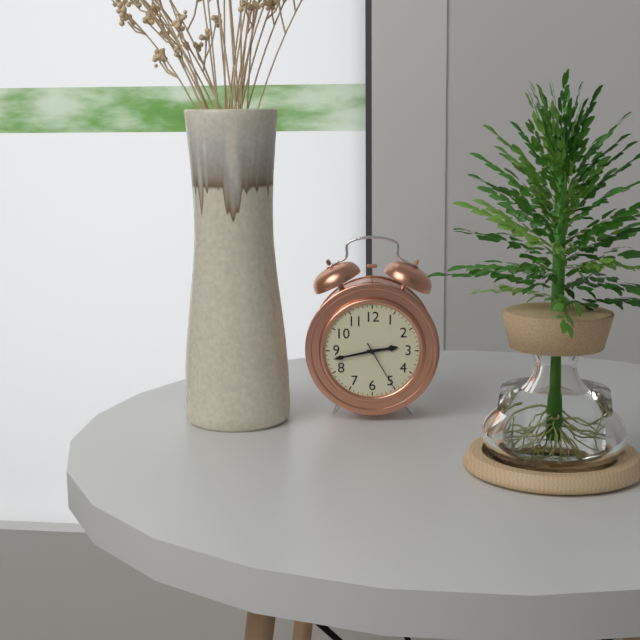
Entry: 2:43:25
